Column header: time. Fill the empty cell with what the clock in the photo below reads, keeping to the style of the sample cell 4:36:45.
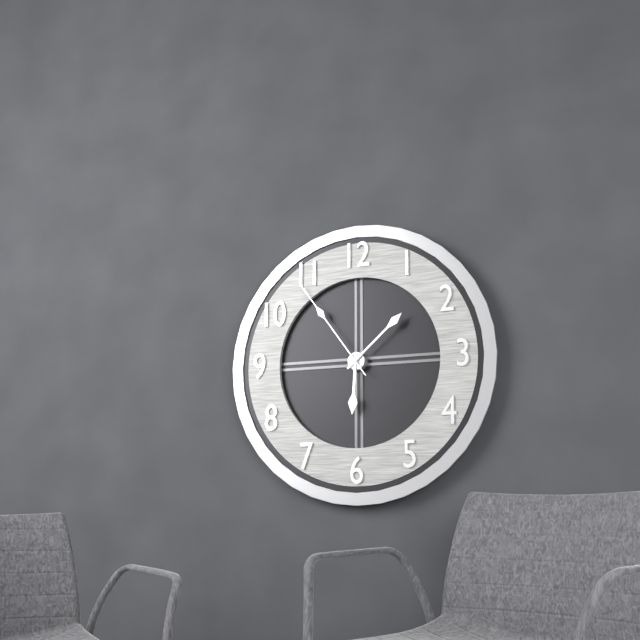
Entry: 6:08:54
